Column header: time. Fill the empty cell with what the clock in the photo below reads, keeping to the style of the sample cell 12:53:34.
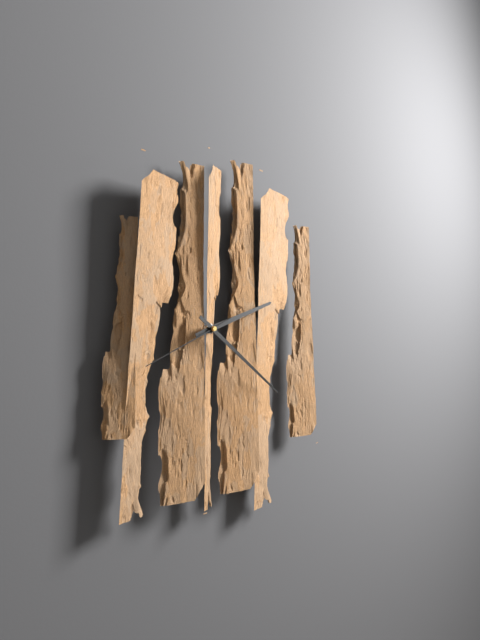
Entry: 2:21:41
